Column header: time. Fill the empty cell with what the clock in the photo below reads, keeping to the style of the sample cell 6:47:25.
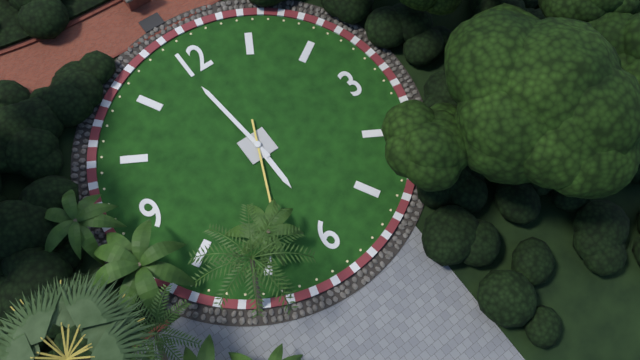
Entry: 5:59:34
